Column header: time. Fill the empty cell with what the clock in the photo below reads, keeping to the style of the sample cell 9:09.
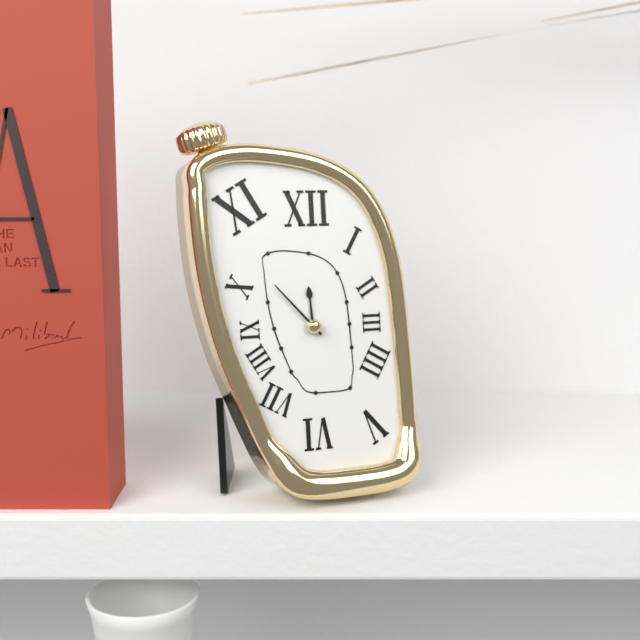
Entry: 11:53
